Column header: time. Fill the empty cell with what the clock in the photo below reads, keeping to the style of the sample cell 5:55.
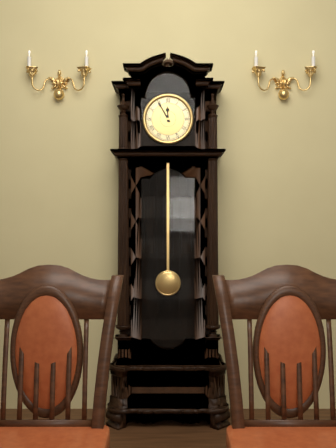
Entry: 11:55
